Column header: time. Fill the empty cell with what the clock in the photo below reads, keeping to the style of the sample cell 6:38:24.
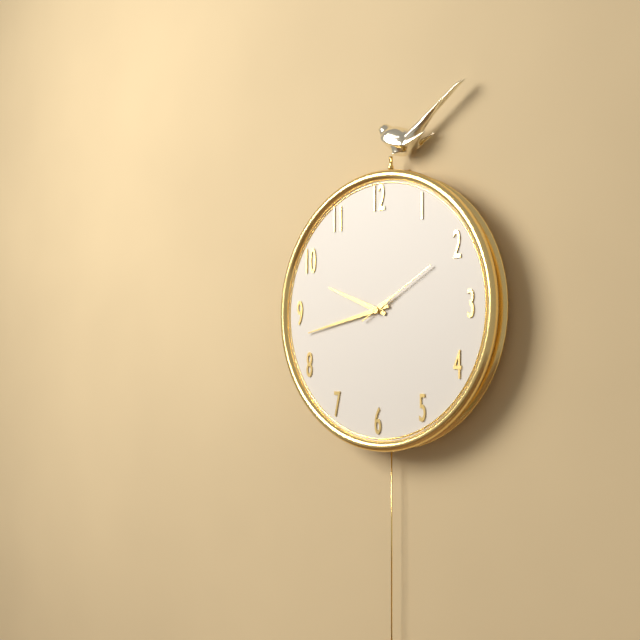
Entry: 9:43:10
